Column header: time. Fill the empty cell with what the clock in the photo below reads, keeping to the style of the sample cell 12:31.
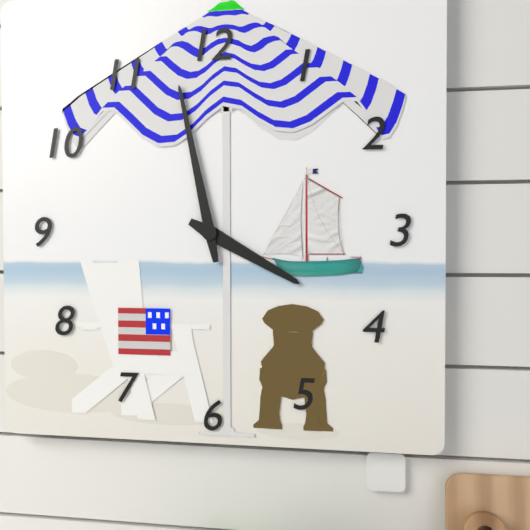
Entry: 3:58
